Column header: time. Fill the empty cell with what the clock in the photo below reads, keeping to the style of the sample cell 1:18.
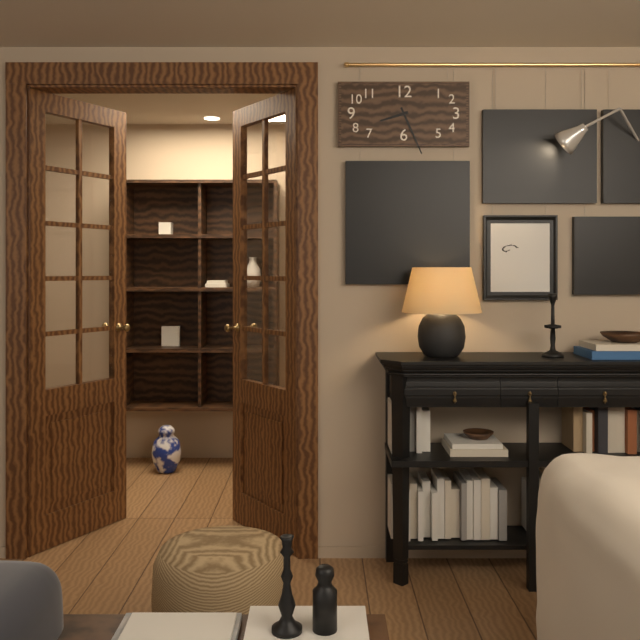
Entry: 8:26
